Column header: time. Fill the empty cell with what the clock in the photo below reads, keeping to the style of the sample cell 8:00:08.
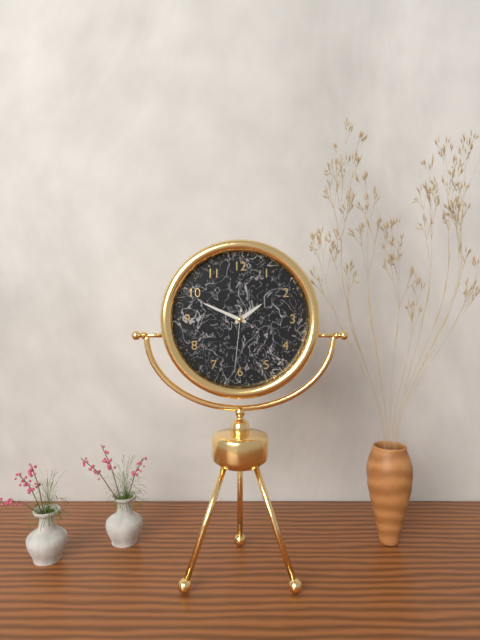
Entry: 1:49:31
